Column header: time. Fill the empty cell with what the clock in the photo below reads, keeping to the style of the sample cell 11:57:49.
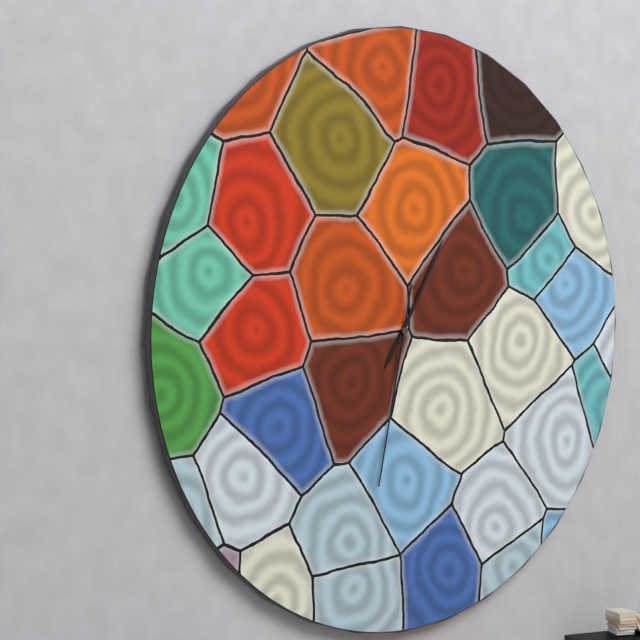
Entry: 7:05:32
